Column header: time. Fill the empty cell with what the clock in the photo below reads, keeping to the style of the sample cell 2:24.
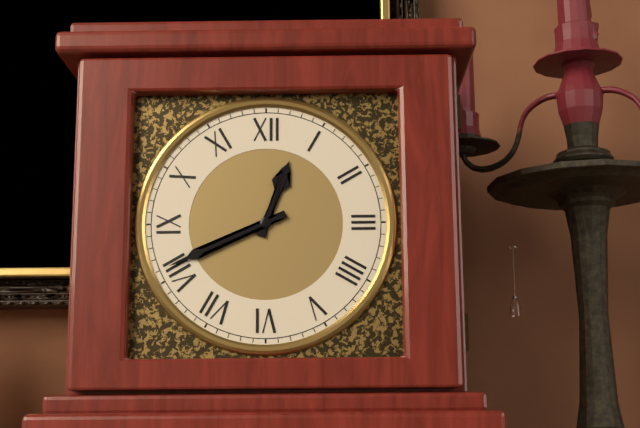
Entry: 12:41
